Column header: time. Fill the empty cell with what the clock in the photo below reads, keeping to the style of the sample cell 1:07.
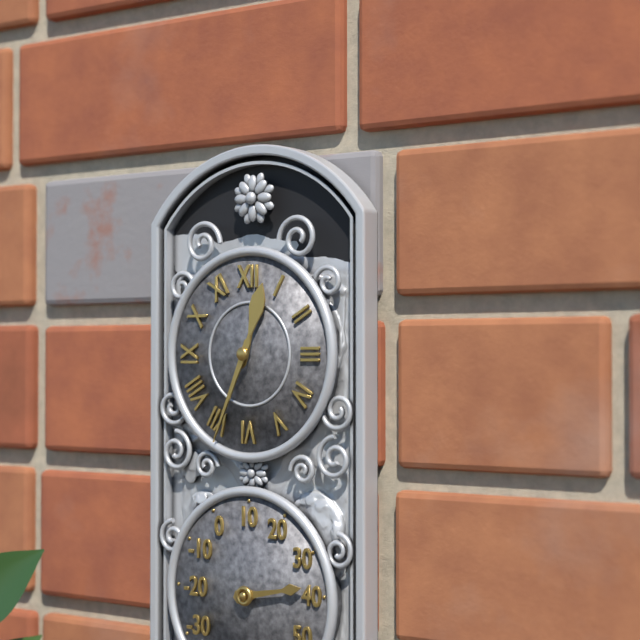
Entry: 12:34
